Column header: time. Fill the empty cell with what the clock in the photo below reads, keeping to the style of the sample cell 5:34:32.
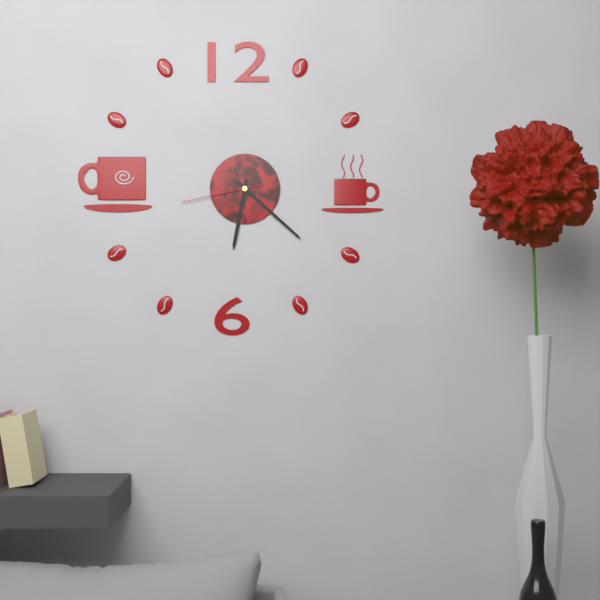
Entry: 6:22:43
